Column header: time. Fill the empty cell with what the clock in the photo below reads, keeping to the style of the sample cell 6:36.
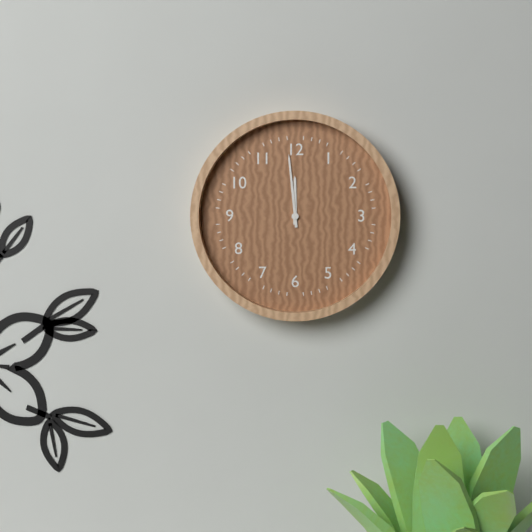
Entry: 11:59
